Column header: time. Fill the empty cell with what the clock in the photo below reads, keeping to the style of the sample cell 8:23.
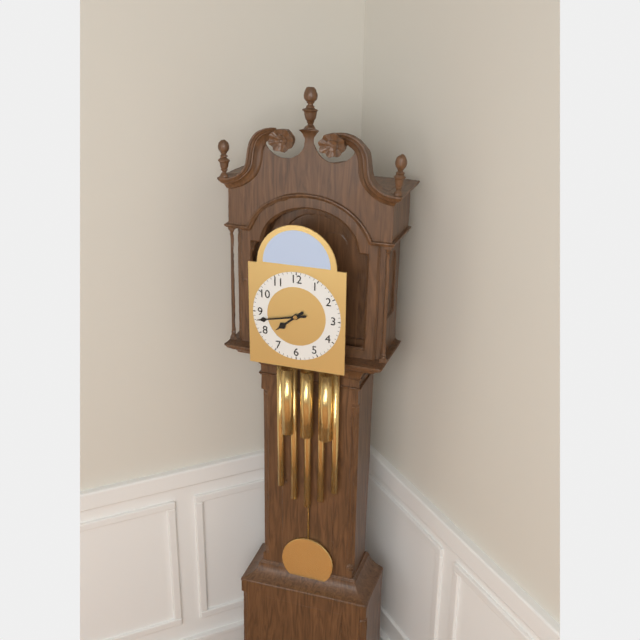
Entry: 7:43
